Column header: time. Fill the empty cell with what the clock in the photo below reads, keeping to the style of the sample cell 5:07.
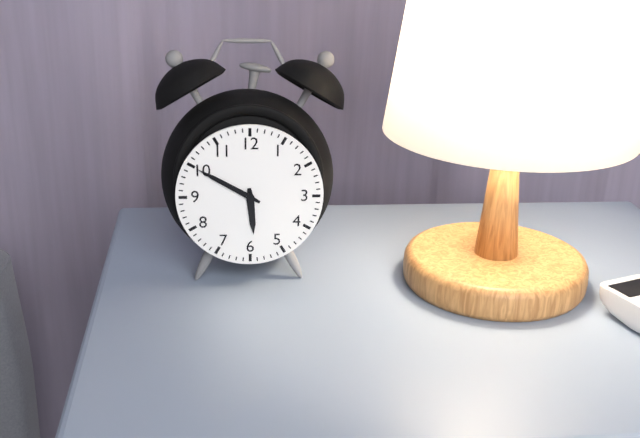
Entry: 5:50
